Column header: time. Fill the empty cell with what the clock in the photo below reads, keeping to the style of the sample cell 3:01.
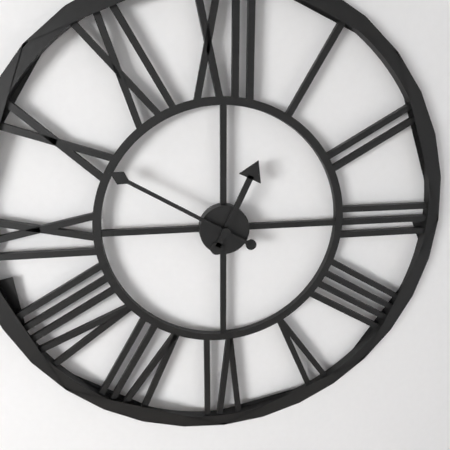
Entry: 12:50
